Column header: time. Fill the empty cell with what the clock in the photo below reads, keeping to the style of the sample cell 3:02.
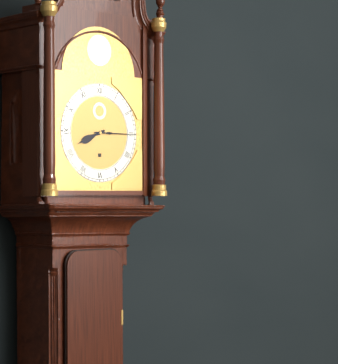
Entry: 8:15
